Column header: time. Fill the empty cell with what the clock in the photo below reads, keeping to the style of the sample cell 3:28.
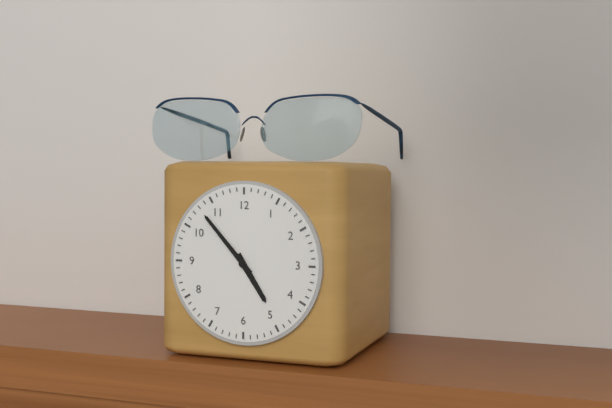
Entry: 4:53
